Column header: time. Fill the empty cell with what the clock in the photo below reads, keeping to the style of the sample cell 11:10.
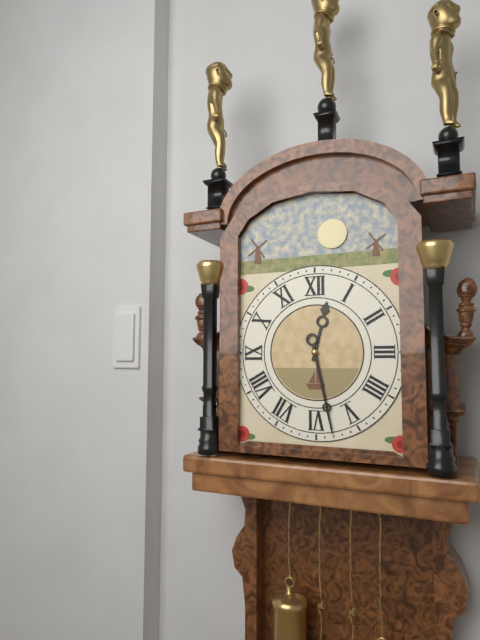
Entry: 12:28
